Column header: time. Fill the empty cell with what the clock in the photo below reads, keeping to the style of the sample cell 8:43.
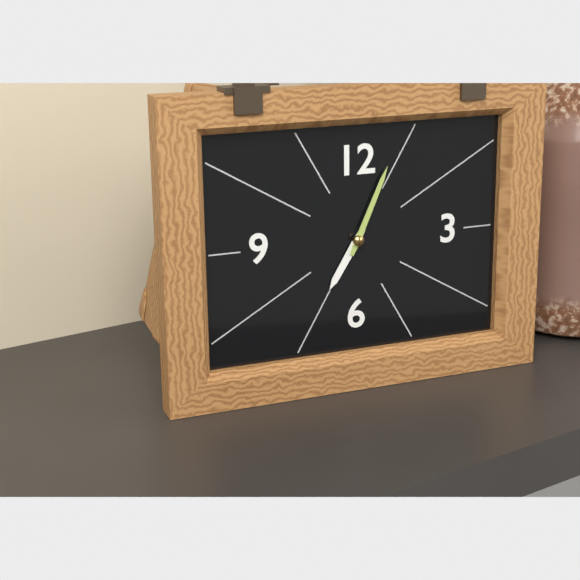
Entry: 7:04
